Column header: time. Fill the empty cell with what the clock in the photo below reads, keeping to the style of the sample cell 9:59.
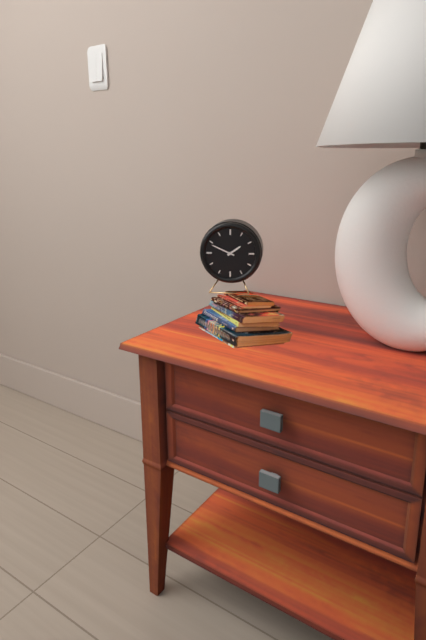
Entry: 1:49
